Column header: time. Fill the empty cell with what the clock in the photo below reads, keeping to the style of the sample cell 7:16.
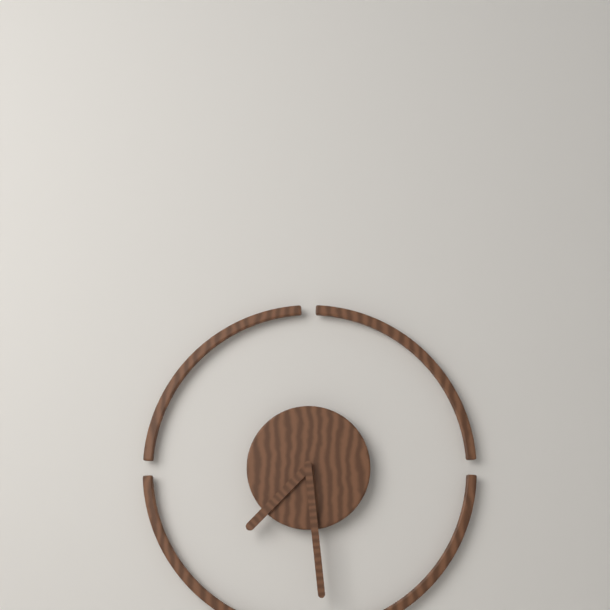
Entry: 7:29
